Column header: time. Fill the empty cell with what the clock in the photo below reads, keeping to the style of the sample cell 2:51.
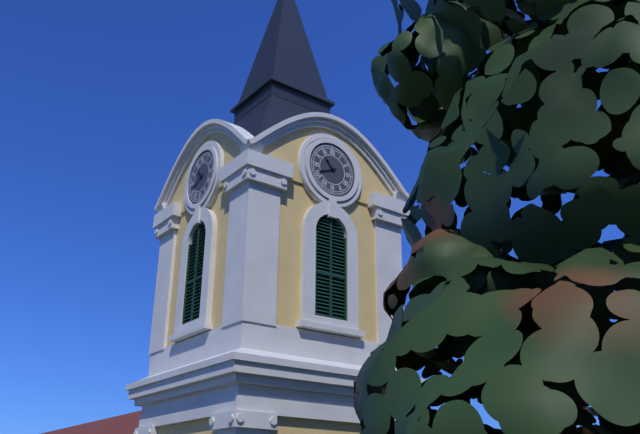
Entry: 10:41
